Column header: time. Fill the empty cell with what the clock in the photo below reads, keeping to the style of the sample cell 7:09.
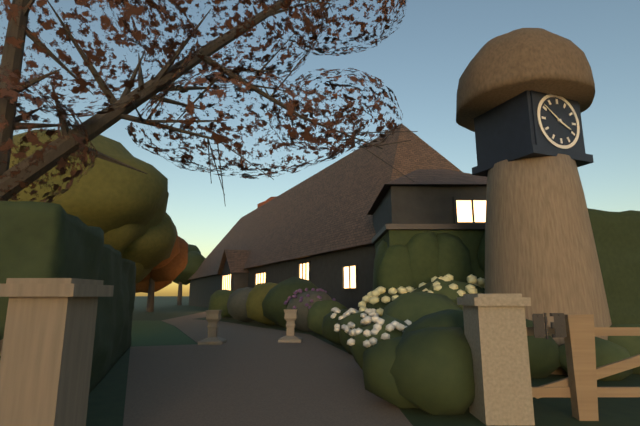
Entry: 3:51
